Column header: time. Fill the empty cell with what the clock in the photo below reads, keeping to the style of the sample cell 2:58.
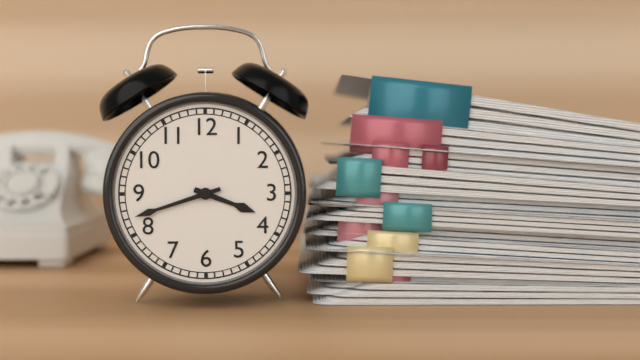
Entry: 3:42
